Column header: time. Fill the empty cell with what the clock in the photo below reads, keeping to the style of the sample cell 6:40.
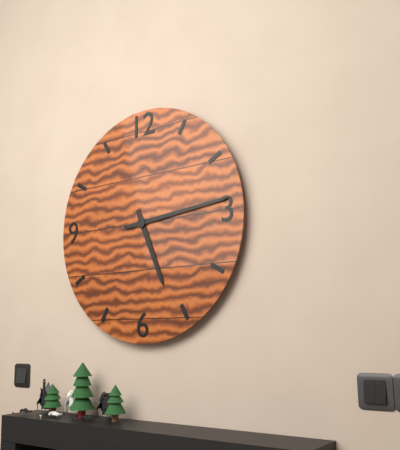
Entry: 5:14
